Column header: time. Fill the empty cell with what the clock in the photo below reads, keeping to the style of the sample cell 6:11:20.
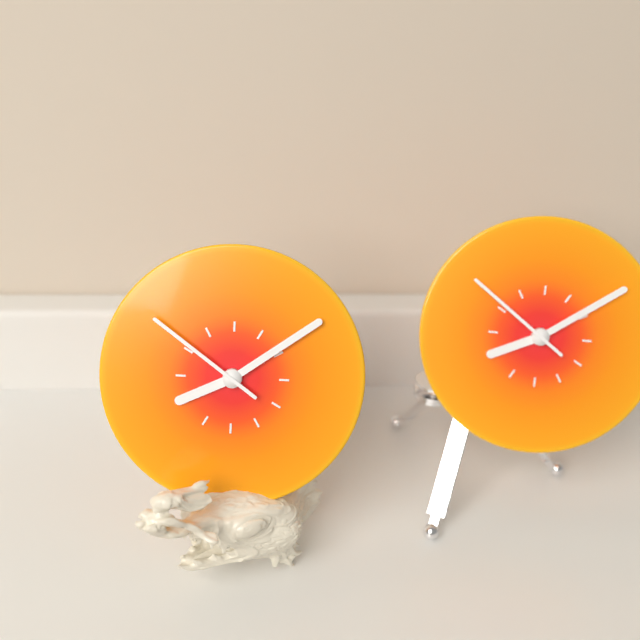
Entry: 8:09:51
